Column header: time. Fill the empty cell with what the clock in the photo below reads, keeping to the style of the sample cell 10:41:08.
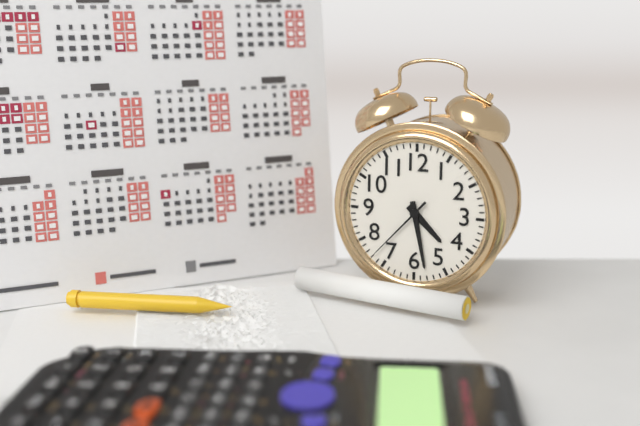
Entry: 4:28:37
